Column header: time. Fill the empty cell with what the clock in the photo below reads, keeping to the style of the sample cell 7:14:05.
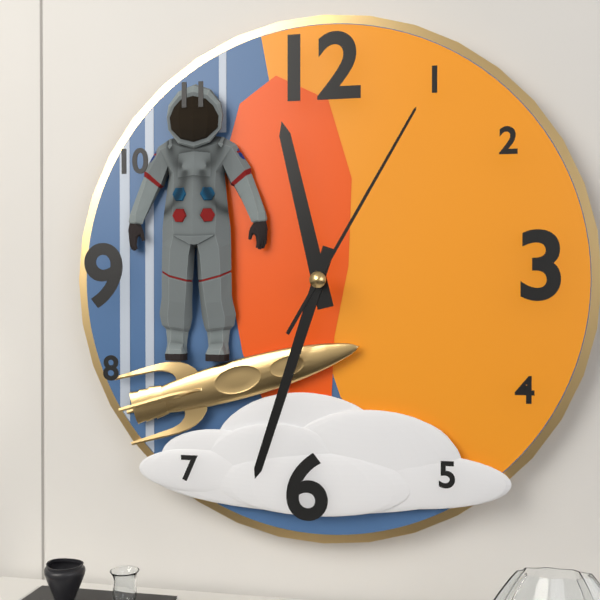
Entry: 11:33:05
